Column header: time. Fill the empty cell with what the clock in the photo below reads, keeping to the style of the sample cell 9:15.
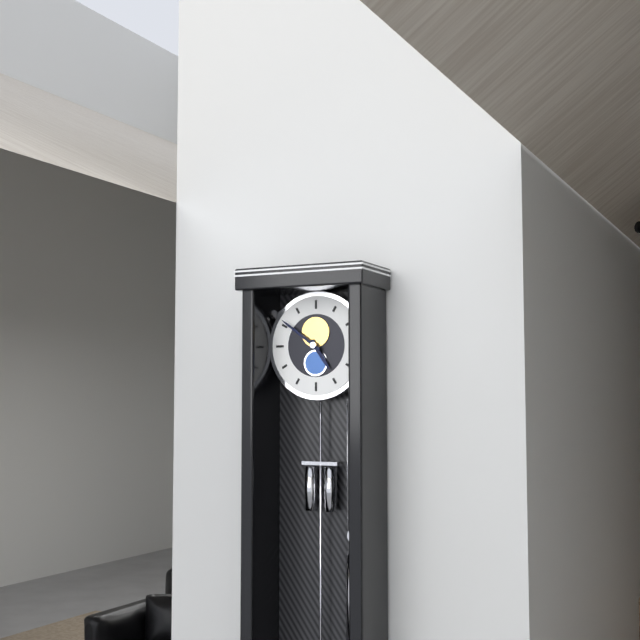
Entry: 4:51
